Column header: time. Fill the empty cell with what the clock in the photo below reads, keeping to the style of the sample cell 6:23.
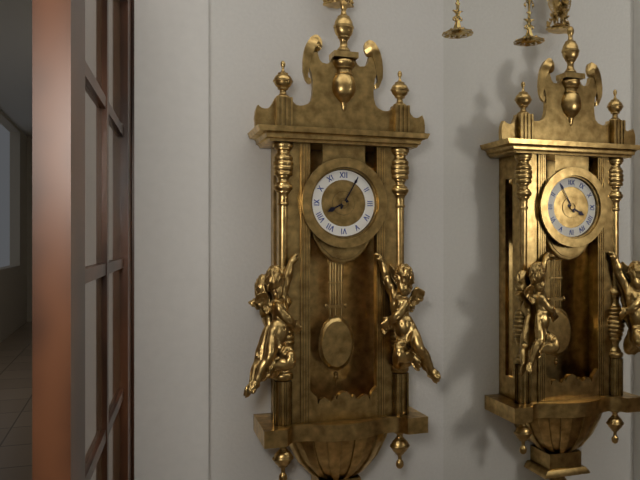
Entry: 8:05
